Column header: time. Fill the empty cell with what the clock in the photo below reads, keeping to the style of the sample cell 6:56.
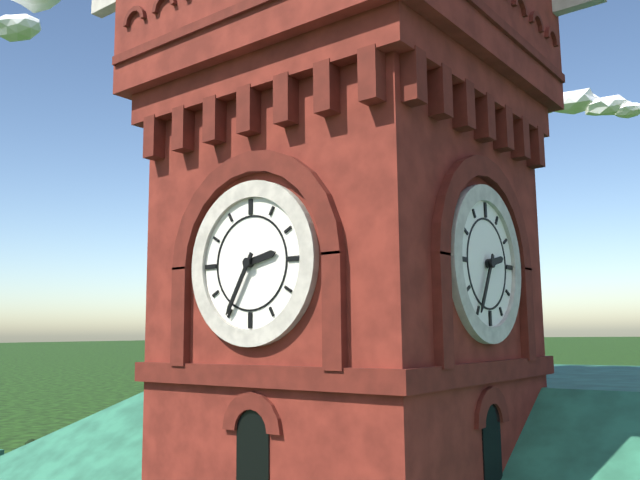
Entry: 2:35
